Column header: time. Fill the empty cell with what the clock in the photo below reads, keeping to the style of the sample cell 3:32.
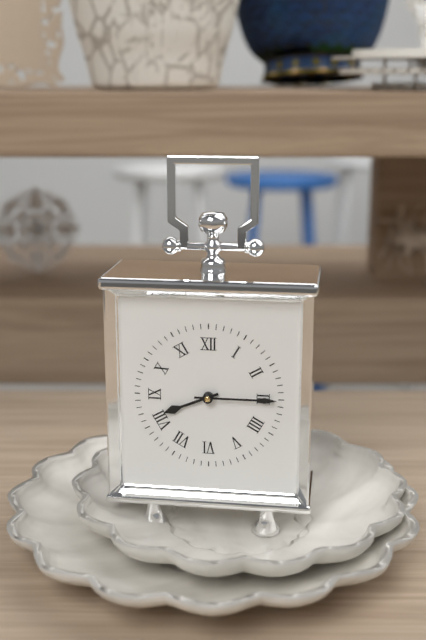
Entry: 8:15
